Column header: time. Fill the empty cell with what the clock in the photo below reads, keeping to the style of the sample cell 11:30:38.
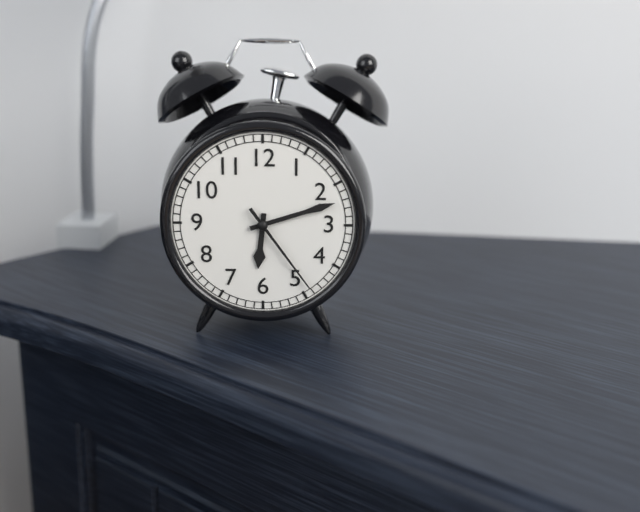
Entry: 6:12:24
